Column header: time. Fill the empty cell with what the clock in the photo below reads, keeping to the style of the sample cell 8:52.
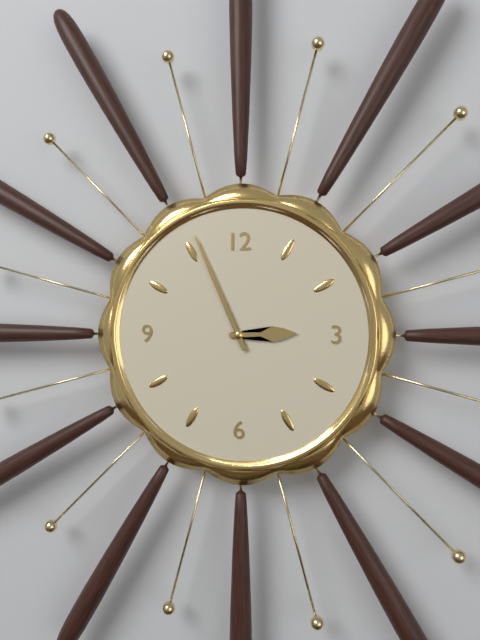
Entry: 2:56
